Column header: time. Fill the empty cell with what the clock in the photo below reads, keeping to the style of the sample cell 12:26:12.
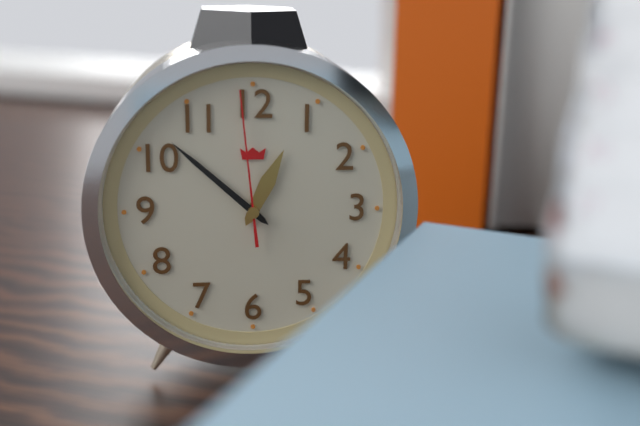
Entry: 12:52:59
